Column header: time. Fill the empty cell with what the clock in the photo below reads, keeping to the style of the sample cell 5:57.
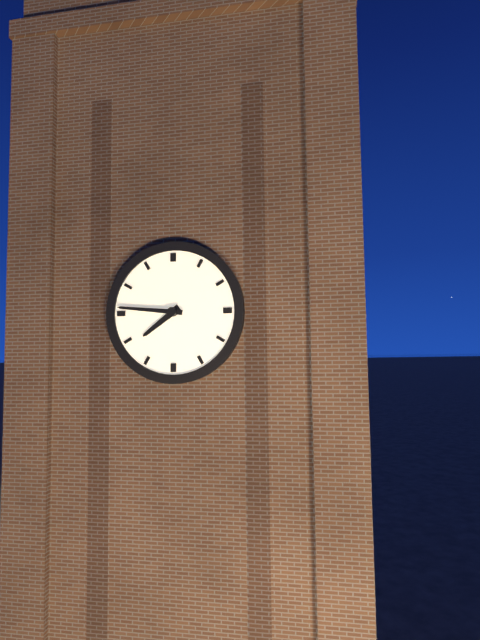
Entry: 7:46
